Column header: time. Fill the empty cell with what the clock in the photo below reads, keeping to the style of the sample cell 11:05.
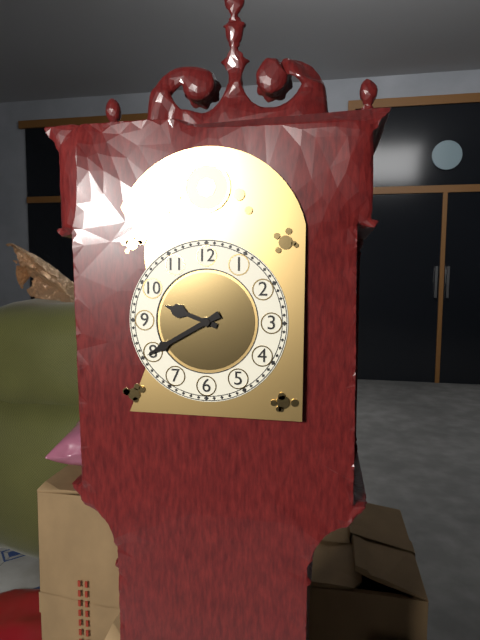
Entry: 9:40
